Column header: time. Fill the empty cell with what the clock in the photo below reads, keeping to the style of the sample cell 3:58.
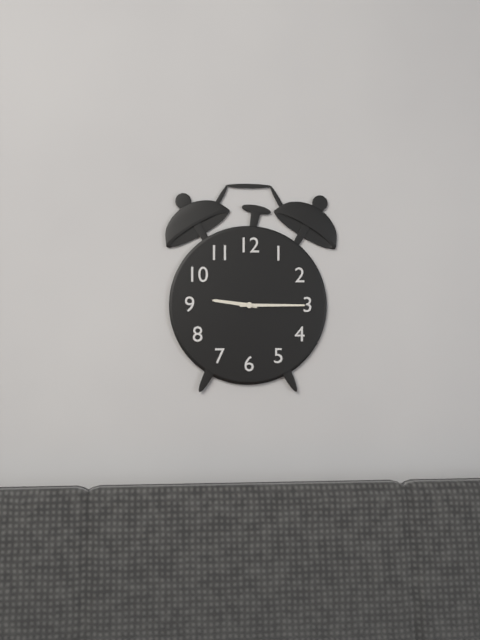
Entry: 9:15
